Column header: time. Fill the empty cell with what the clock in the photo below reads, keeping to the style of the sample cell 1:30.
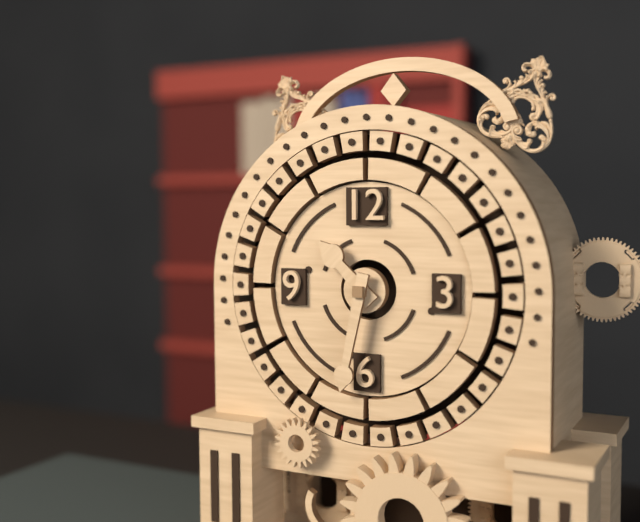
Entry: 10:32
